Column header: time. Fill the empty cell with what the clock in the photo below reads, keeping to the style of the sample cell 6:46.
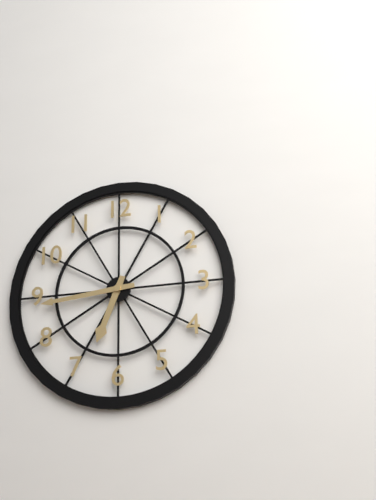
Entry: 6:44
